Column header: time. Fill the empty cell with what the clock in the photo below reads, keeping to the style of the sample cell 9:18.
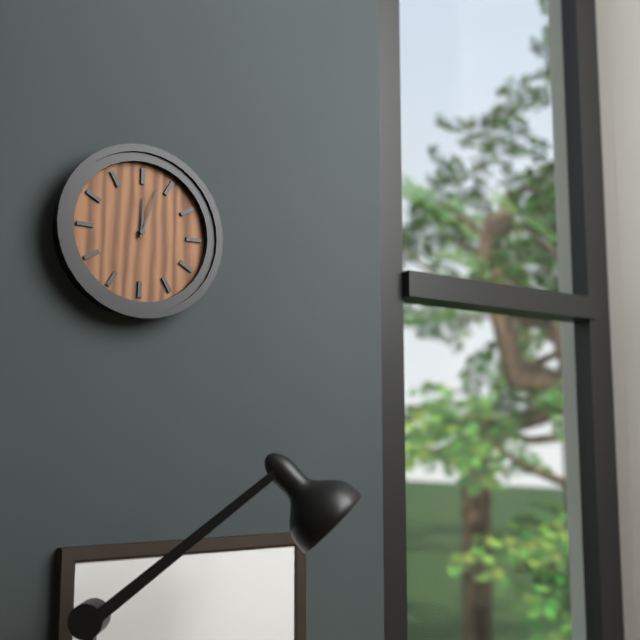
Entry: 12:03
